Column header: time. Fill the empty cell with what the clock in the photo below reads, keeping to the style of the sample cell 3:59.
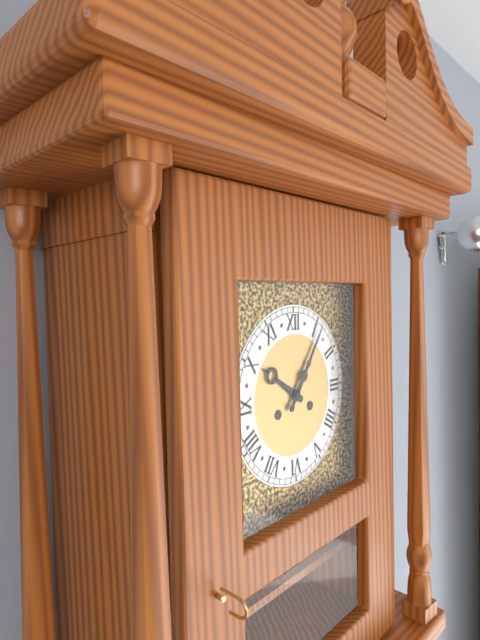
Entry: 10:06
